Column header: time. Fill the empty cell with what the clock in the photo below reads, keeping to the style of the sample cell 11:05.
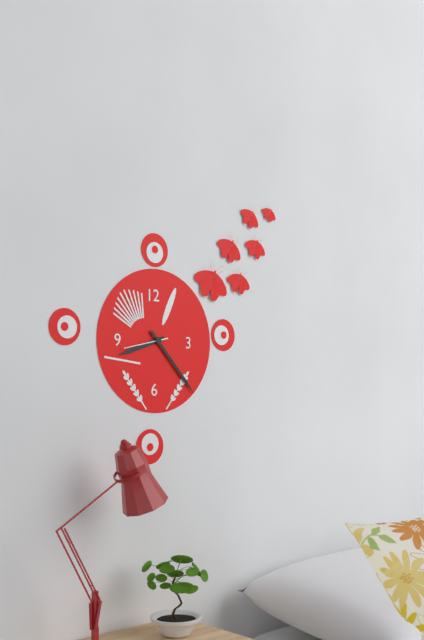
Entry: 8:23
